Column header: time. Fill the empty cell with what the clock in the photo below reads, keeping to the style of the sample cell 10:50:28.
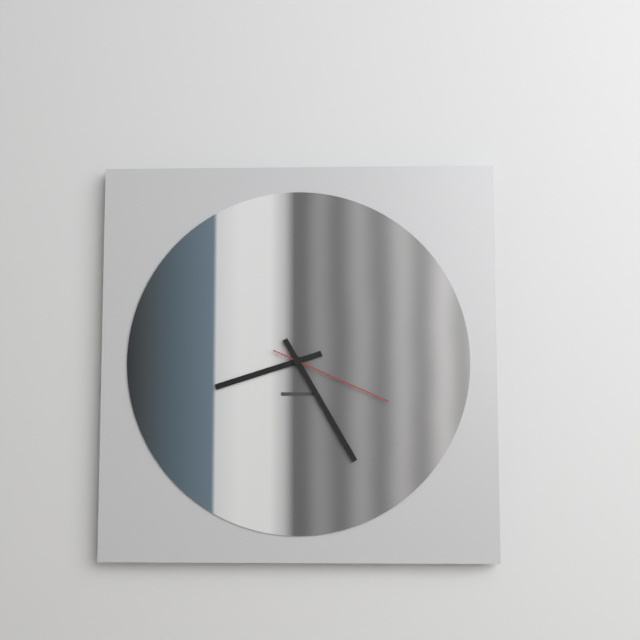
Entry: 8:25:19
